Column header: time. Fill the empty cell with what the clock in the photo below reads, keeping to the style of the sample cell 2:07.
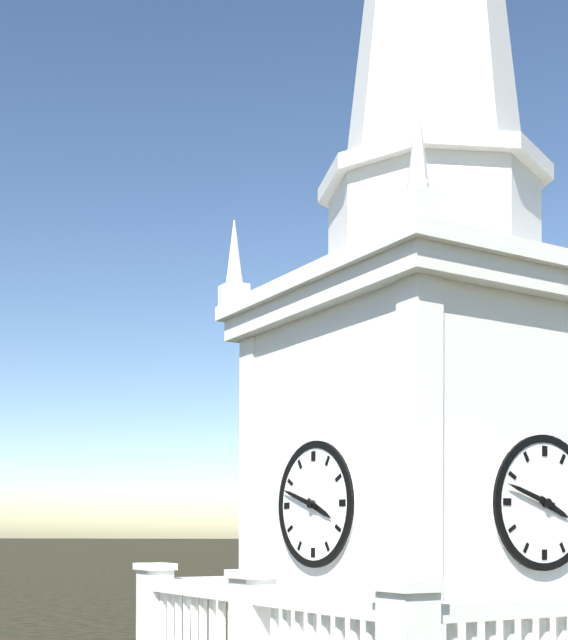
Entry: 3:48
